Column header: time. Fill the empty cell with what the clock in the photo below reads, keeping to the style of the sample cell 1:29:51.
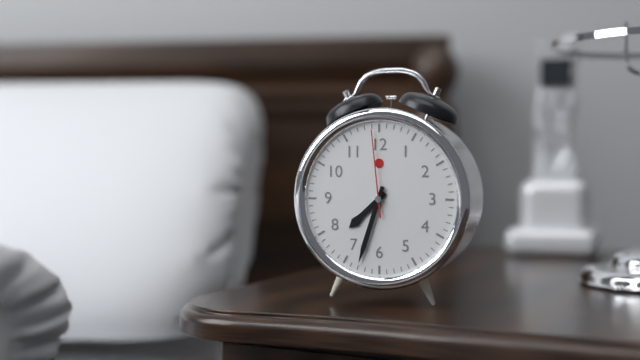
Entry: 7:33:59
